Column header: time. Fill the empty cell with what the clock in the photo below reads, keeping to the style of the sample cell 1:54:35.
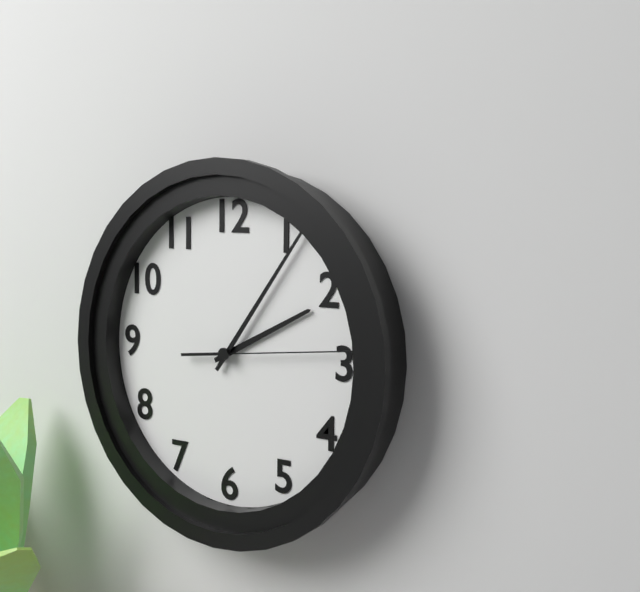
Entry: 2:06:14
